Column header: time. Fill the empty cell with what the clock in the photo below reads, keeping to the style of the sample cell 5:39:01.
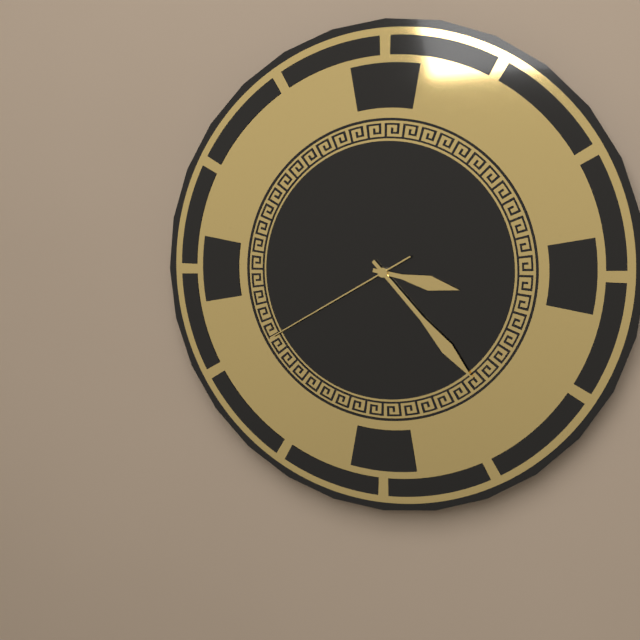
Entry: 3:23:40
